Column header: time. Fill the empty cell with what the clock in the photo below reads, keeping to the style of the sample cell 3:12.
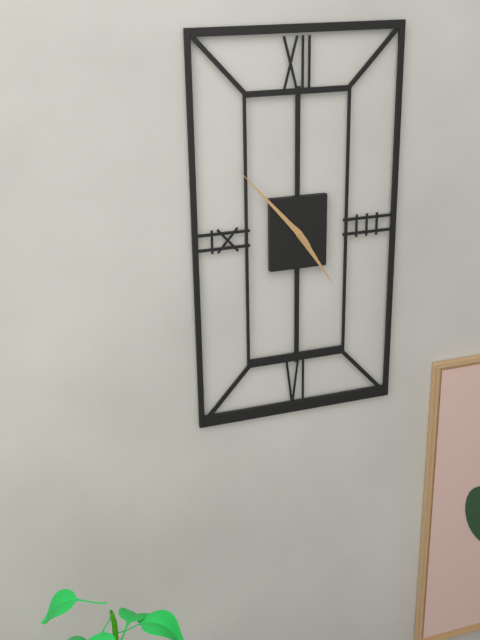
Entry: 4:53
